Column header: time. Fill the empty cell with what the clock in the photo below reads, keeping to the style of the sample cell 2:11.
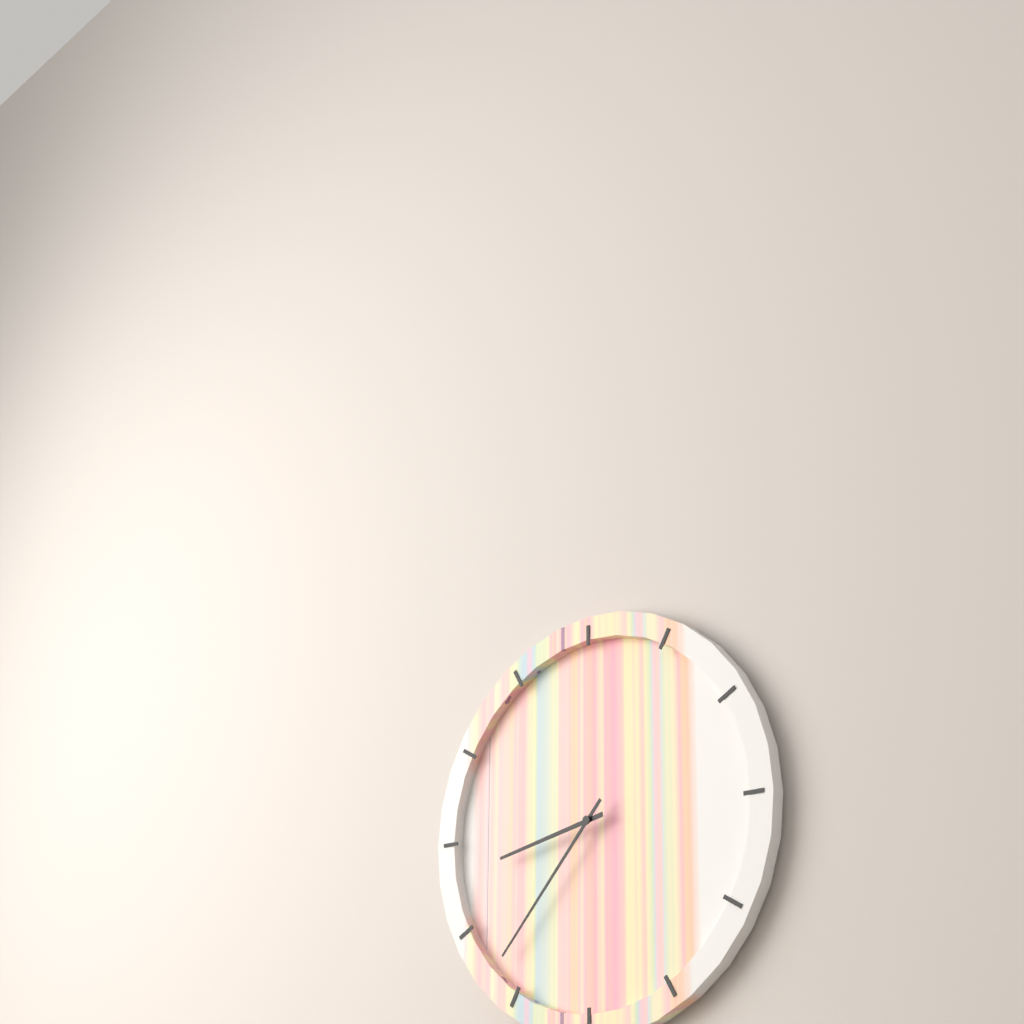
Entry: 8:37
